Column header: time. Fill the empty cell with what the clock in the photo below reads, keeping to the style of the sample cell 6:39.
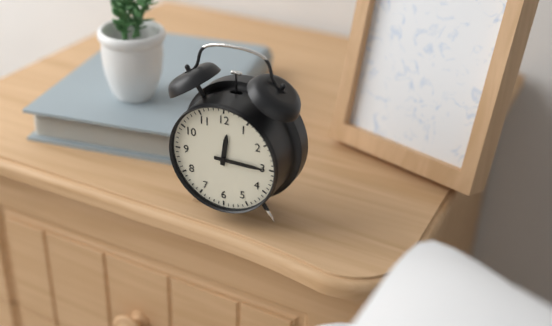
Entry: 12:15
